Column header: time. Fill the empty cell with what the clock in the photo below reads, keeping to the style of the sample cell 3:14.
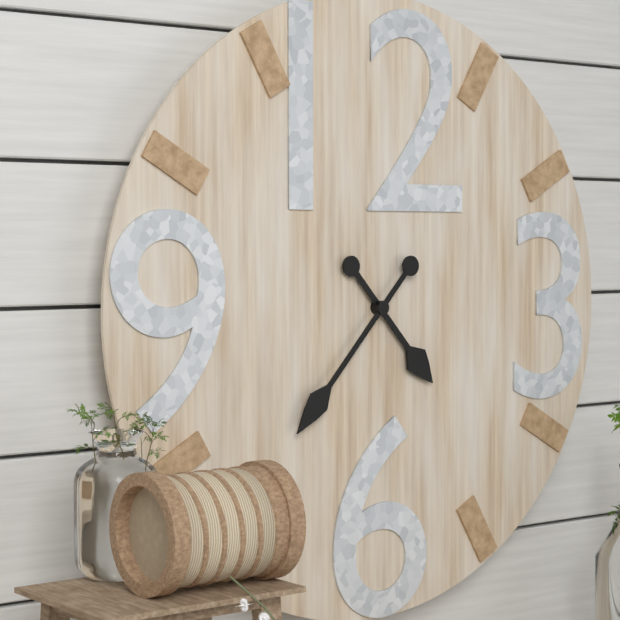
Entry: 4:37
